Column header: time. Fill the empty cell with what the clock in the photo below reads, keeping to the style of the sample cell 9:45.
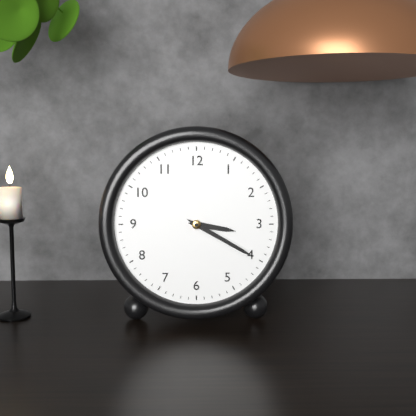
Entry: 3:20
